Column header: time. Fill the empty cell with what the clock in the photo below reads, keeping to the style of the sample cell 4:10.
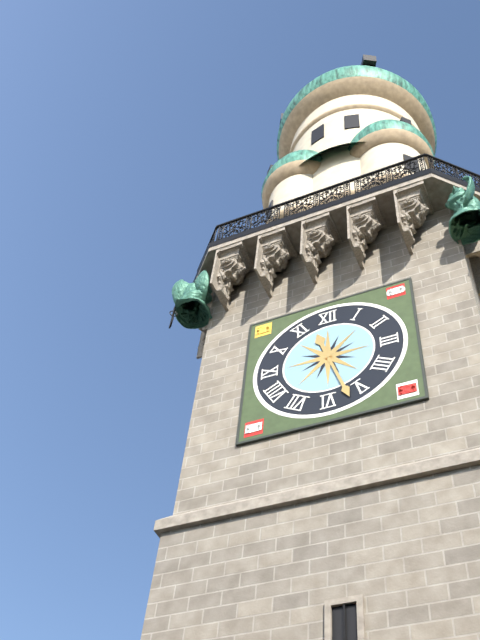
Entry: 11:27
